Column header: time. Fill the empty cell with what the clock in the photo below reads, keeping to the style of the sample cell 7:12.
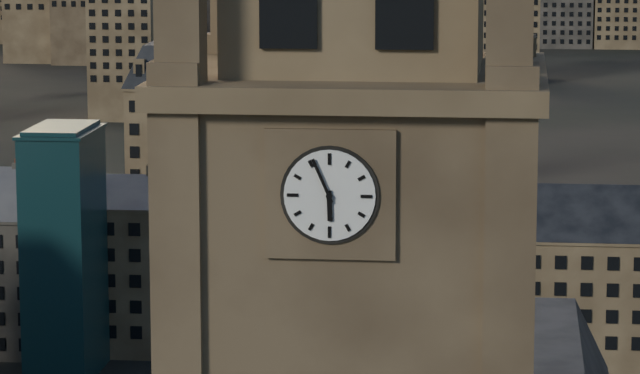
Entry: 5:56
